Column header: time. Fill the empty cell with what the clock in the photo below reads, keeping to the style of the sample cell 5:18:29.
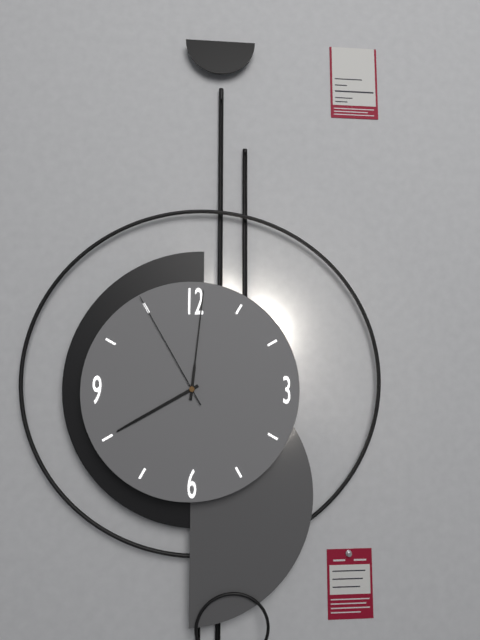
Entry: 8:01:55
